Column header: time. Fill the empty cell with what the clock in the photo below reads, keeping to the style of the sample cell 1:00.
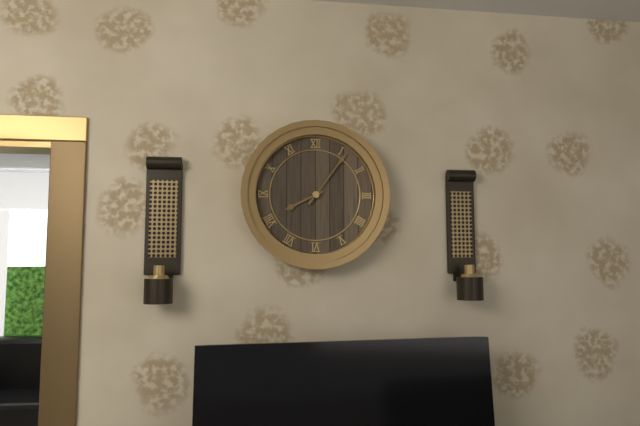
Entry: 8:06
